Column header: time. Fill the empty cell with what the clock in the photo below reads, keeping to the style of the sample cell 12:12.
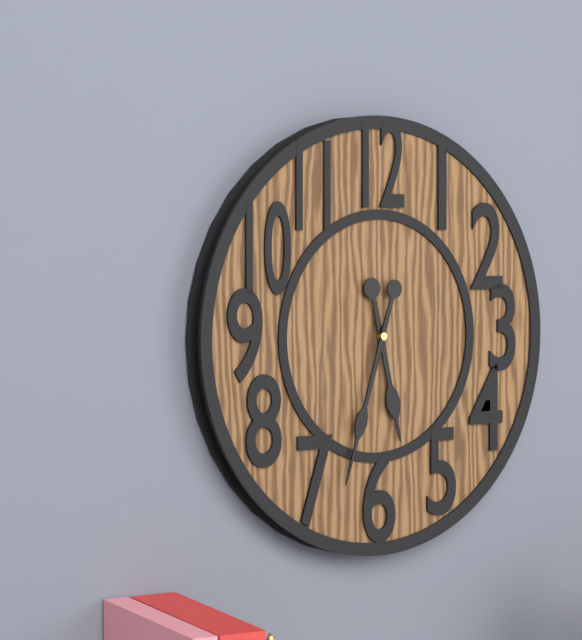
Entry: 5:33
